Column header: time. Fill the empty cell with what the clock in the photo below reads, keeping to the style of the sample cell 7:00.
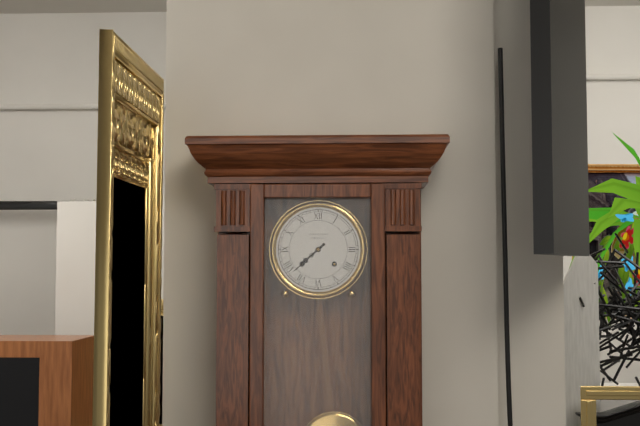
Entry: 7:38
